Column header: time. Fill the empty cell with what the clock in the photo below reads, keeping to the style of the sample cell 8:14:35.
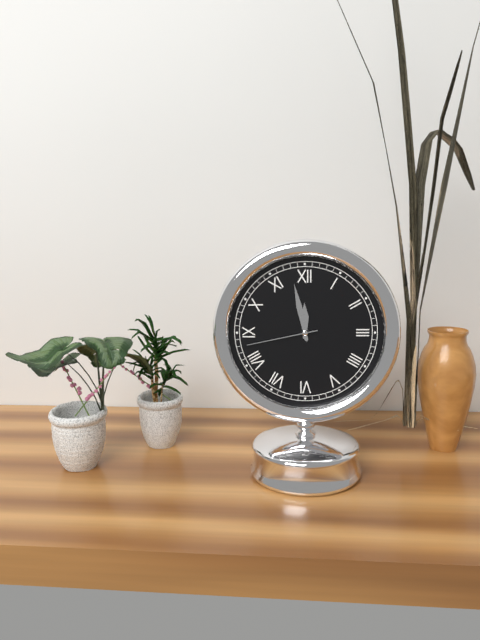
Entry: 11:58:43
